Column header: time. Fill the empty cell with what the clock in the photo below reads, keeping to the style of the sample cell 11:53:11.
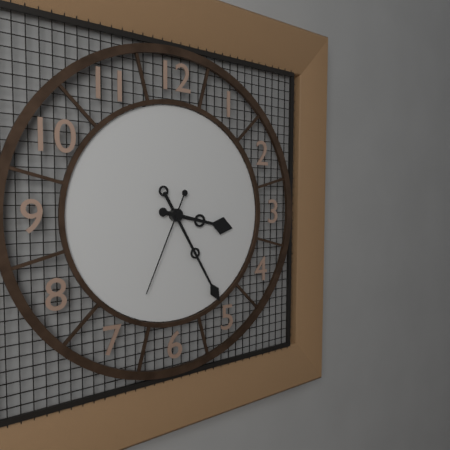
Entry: 3:25:34
